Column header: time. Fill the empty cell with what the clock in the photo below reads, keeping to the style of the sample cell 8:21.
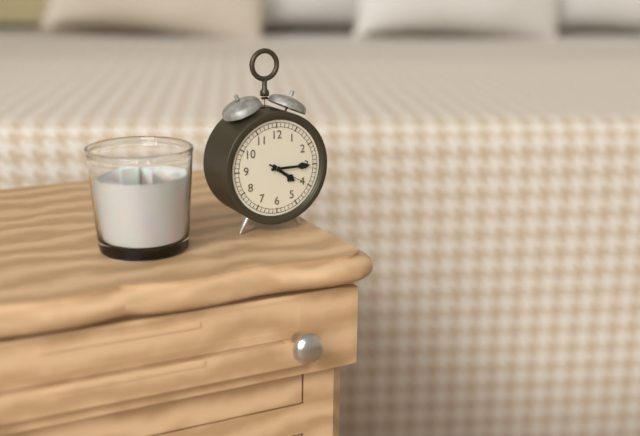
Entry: 4:15
